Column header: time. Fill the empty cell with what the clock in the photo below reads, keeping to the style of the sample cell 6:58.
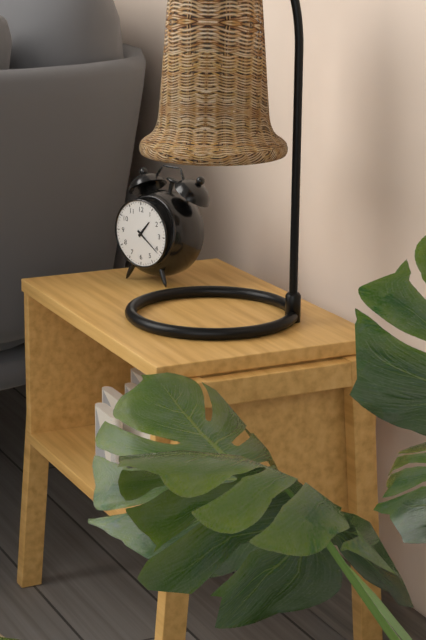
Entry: 1:21
